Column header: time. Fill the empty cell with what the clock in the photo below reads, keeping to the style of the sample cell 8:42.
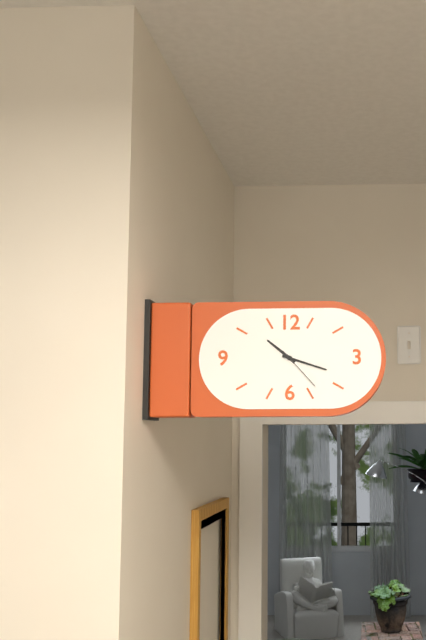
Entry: 10:18
